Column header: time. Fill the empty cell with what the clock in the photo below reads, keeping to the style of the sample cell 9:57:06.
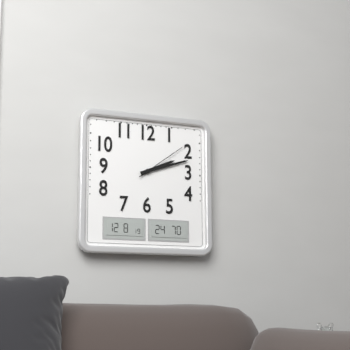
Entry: 2:12:09
